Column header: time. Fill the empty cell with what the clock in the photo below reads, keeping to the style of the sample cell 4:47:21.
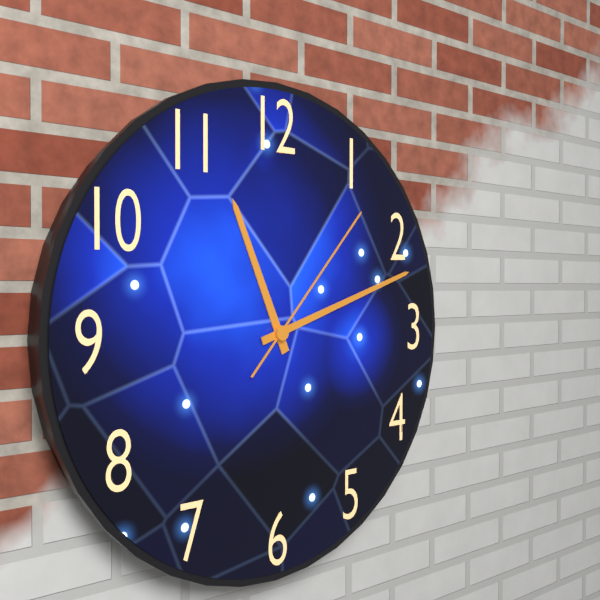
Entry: 11:12:07
